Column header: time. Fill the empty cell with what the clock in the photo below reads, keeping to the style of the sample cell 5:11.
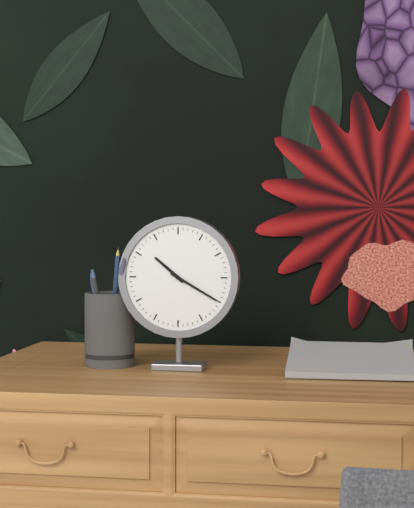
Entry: 10:20
